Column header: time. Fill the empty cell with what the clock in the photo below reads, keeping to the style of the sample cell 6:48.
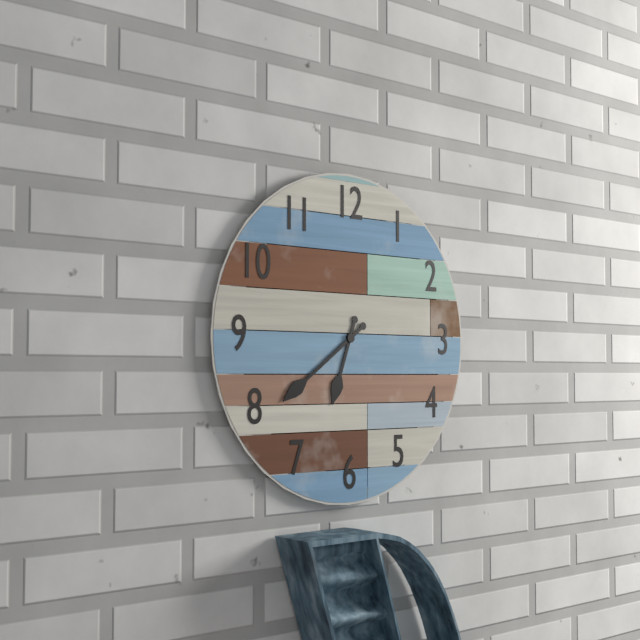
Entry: 6:39
